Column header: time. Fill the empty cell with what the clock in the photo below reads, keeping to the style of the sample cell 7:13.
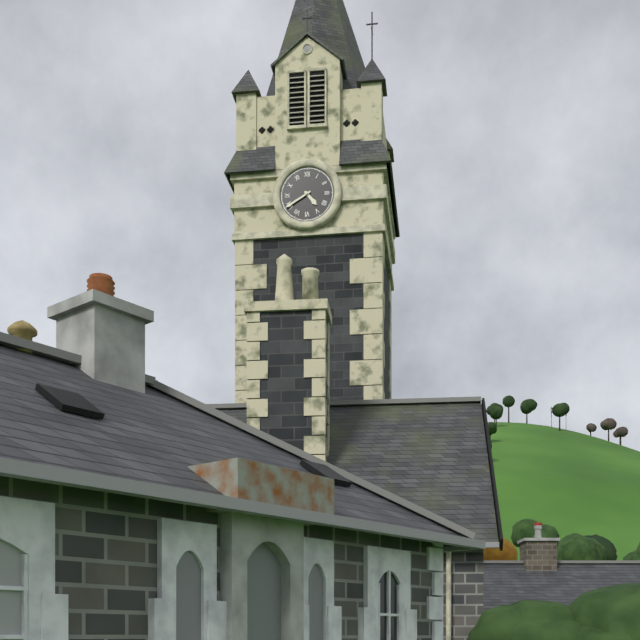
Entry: 4:40
